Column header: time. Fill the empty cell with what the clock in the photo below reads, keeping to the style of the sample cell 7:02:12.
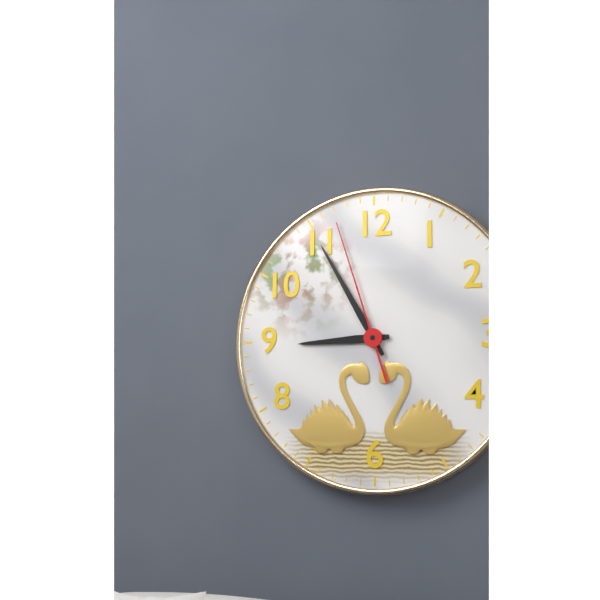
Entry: 8:55:57
